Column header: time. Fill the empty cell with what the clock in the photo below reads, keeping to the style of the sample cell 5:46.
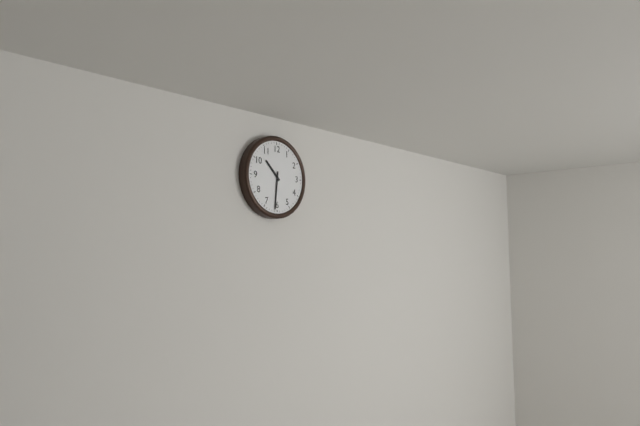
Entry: 10:31
